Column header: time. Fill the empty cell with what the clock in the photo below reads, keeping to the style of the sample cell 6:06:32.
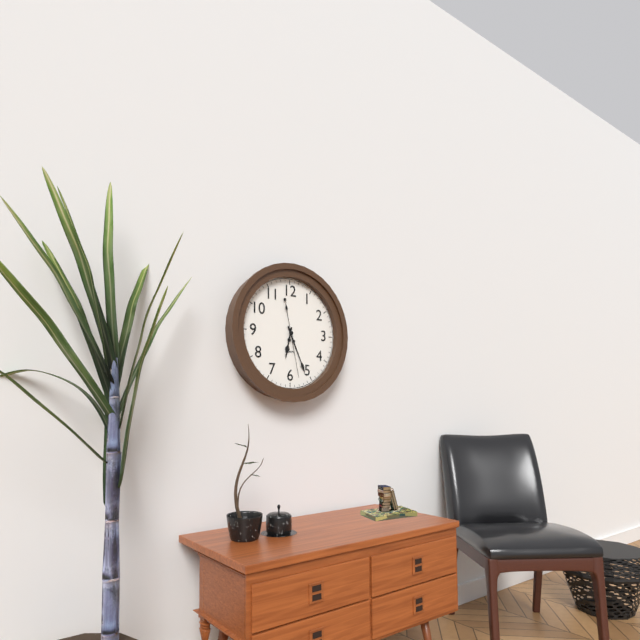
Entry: 6:26:28
